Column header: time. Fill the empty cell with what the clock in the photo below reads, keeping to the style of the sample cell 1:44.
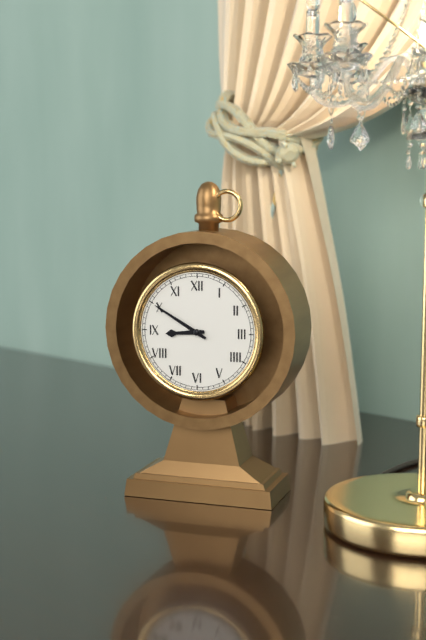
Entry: 8:50
